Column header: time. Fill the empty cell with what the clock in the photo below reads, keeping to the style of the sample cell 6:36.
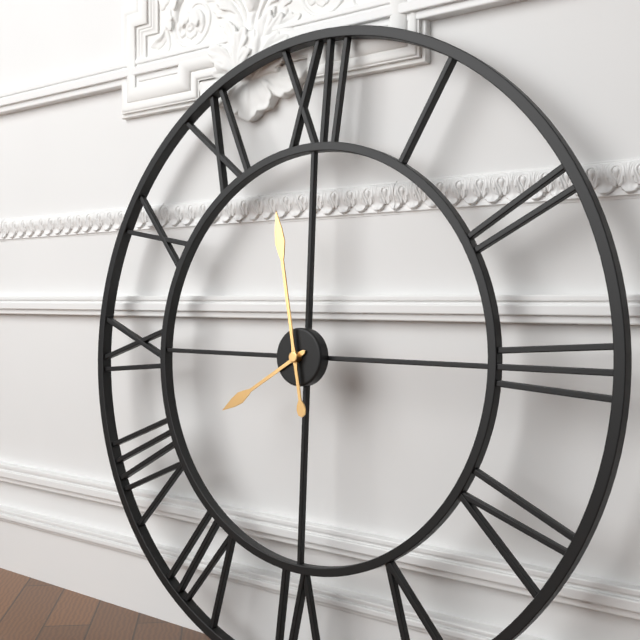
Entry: 7:58
